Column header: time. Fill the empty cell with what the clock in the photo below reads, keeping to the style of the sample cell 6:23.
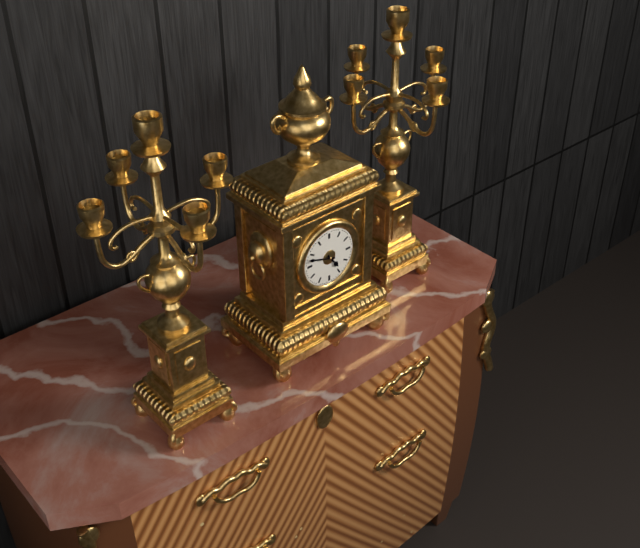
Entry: 4:48
